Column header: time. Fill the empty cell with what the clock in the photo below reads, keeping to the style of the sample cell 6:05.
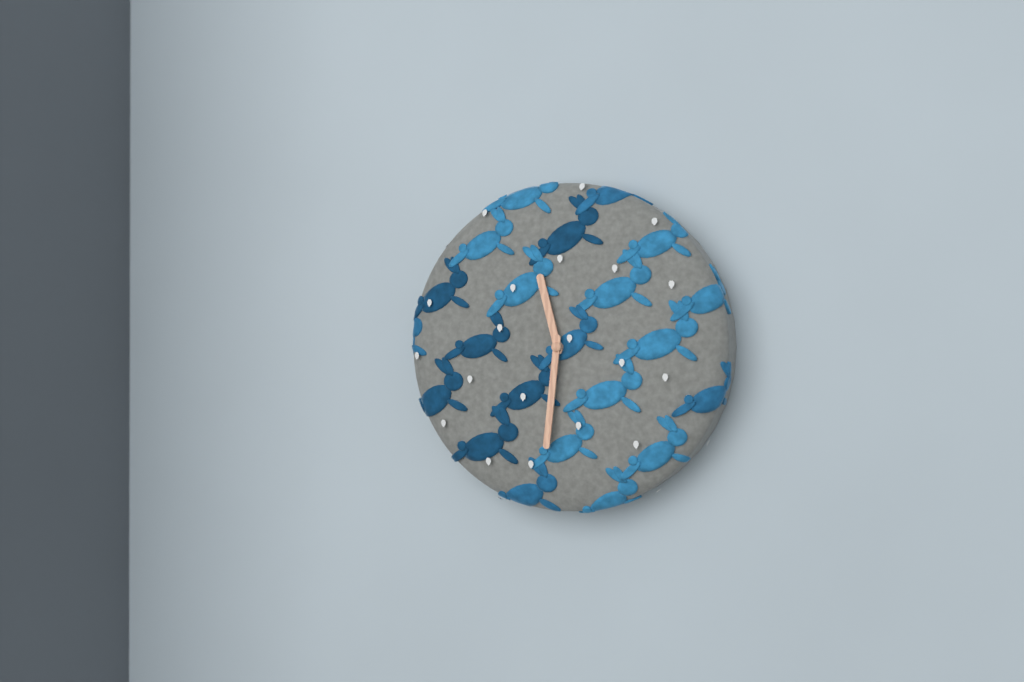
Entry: 11:31
